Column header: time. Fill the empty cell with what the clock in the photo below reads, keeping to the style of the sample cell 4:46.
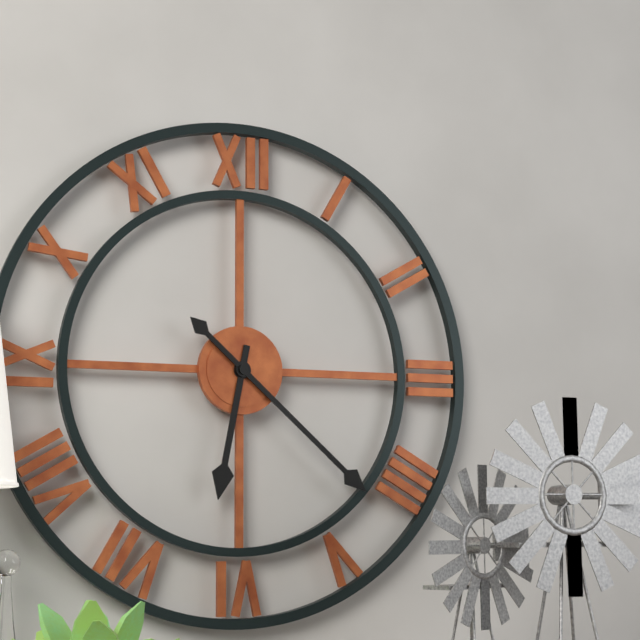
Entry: 6:22
